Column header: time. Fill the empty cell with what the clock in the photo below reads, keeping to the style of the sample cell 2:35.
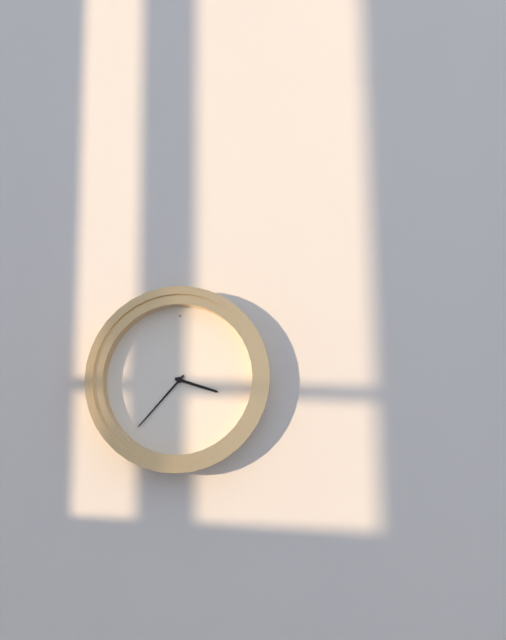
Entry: 3:37
